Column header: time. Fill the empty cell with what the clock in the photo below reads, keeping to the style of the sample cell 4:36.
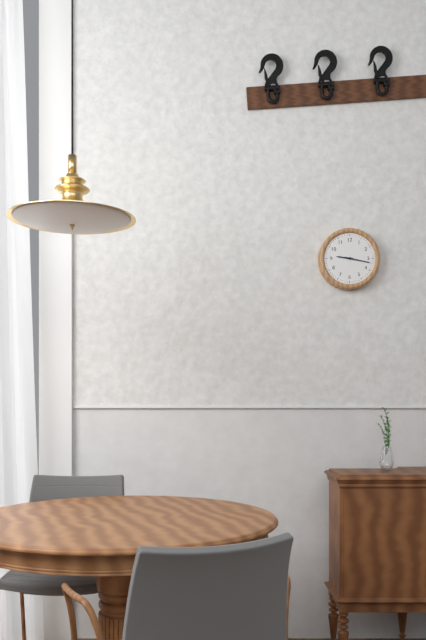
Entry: 9:17
